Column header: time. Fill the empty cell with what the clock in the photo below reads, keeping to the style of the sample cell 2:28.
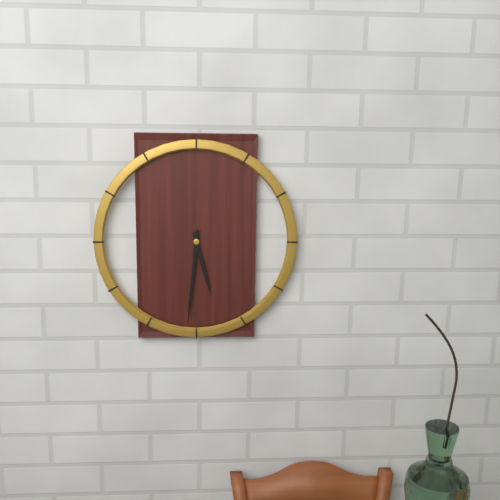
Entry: 5:31
